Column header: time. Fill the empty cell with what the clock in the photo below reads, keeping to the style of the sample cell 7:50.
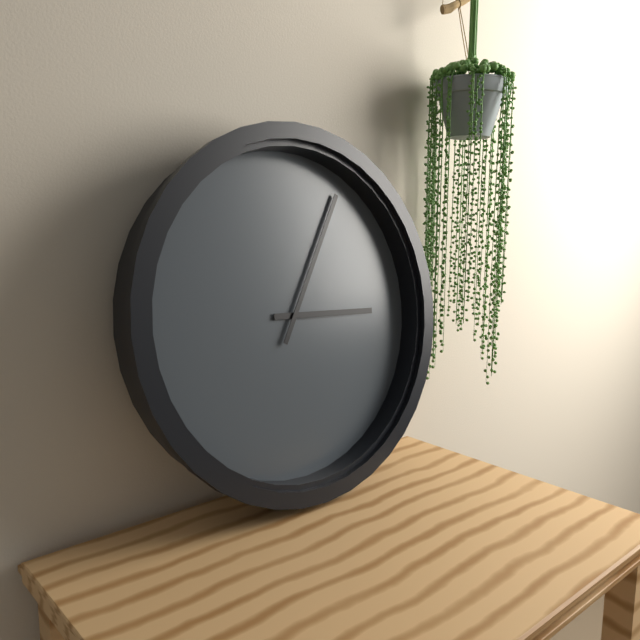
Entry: 3:05
